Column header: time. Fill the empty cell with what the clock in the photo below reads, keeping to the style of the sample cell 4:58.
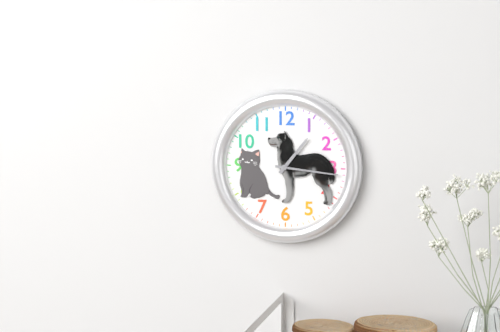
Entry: 1:16
